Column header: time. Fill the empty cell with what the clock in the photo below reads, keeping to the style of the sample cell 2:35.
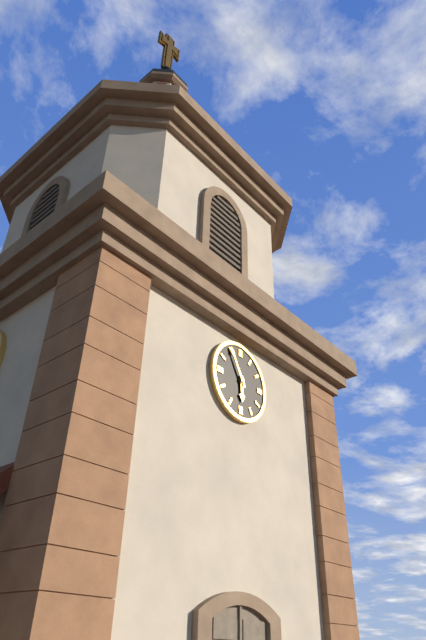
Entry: 5:55
